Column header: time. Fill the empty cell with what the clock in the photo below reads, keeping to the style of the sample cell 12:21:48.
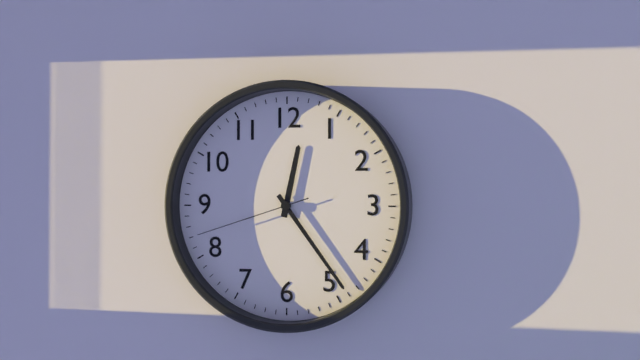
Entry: 12:24:42
